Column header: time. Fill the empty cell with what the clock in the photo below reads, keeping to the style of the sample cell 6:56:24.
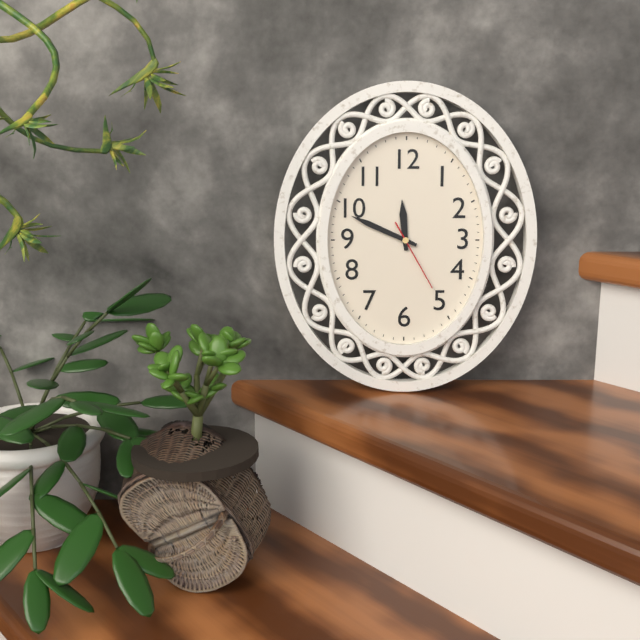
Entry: 11:49:25
